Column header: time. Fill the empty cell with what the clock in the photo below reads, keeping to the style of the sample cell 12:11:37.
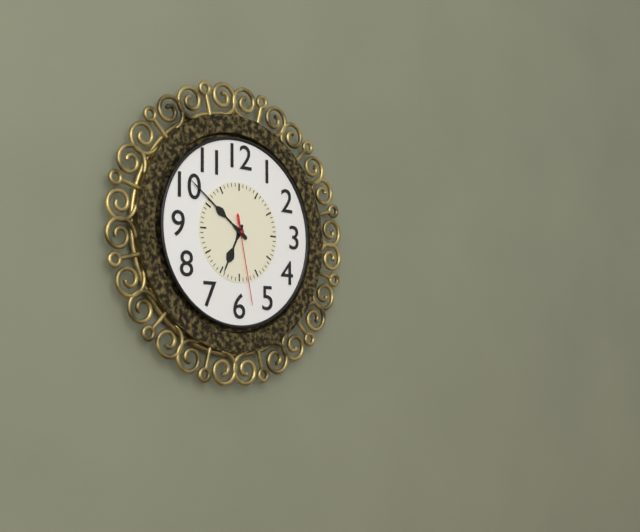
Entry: 6:51:28
